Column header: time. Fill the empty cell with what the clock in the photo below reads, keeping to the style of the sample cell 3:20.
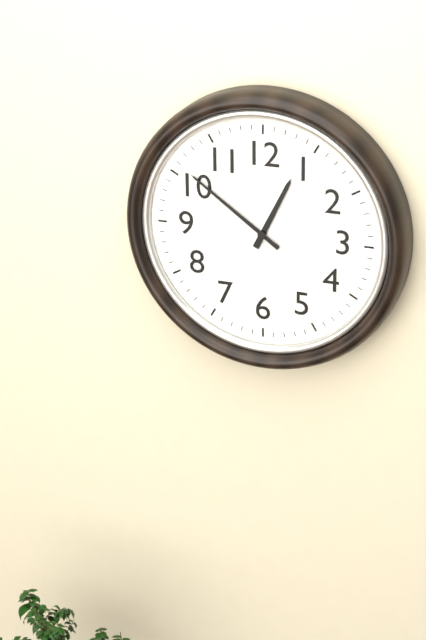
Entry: 12:51
